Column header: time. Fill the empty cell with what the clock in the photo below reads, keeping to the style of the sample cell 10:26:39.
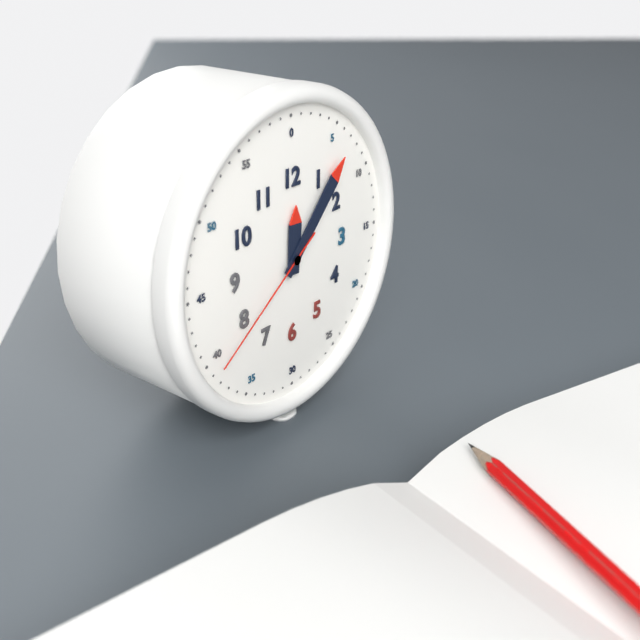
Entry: 12:07:39
